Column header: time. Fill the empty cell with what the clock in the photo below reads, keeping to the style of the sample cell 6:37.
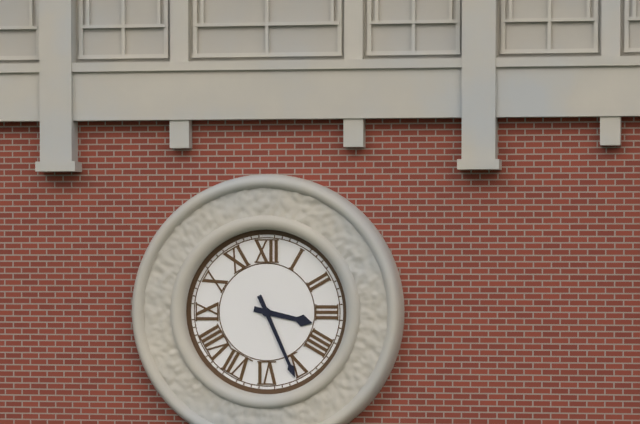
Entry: 3:26
